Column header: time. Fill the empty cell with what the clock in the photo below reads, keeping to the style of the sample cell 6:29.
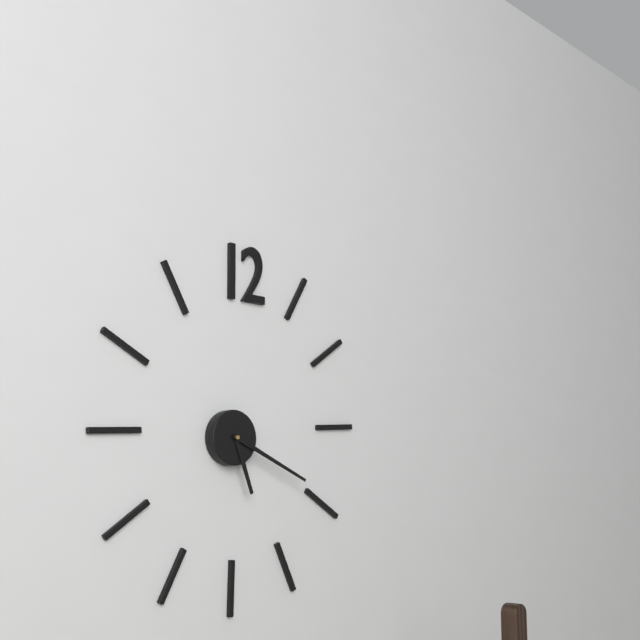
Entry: 5:19
